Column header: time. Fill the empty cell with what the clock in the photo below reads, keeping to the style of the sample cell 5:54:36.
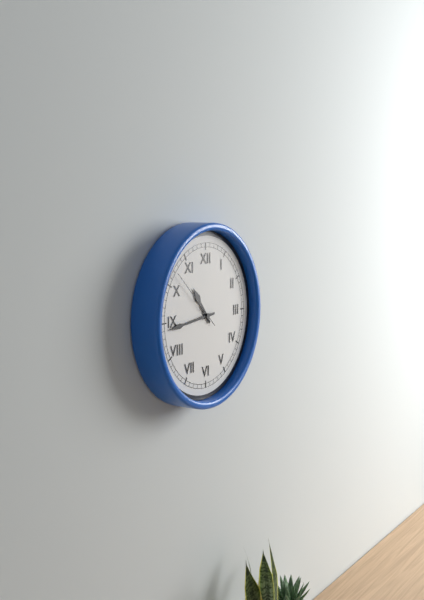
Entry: 10:44:52
